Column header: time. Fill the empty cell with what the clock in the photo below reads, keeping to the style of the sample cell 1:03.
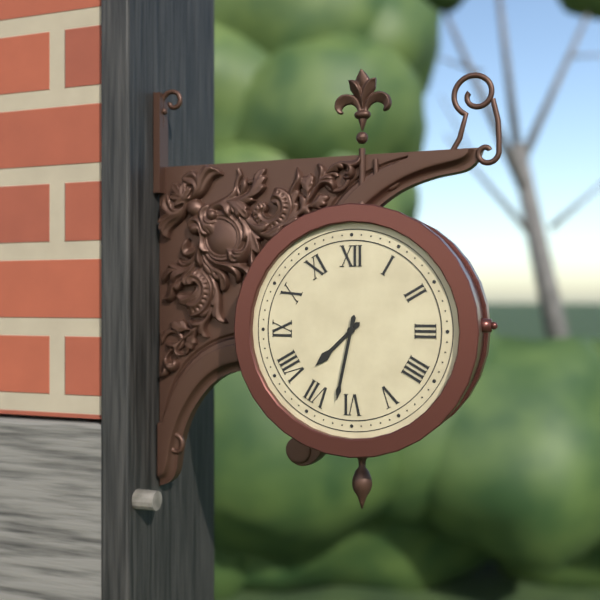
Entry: 7:32
